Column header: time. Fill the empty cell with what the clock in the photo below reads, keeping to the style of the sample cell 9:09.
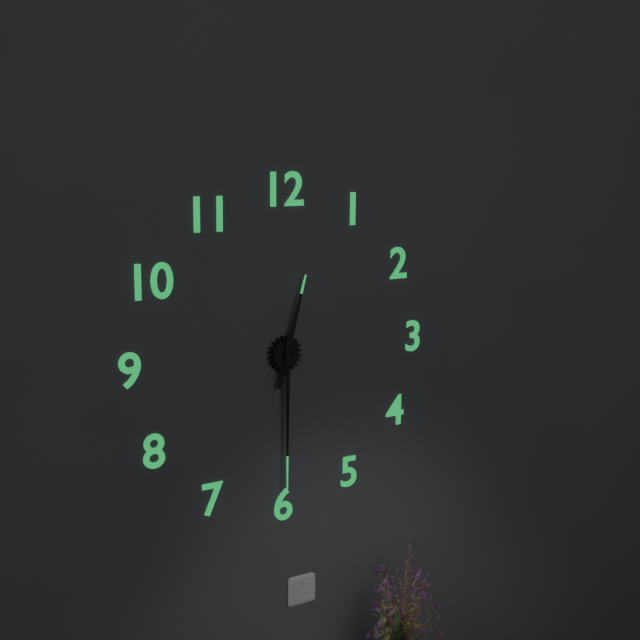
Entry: 12:30
